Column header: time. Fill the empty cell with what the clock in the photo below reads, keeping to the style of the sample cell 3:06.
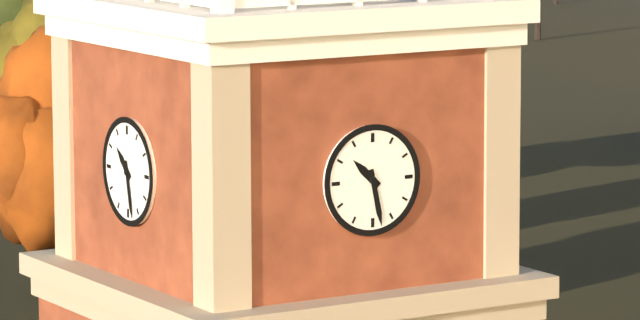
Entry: 10:28
